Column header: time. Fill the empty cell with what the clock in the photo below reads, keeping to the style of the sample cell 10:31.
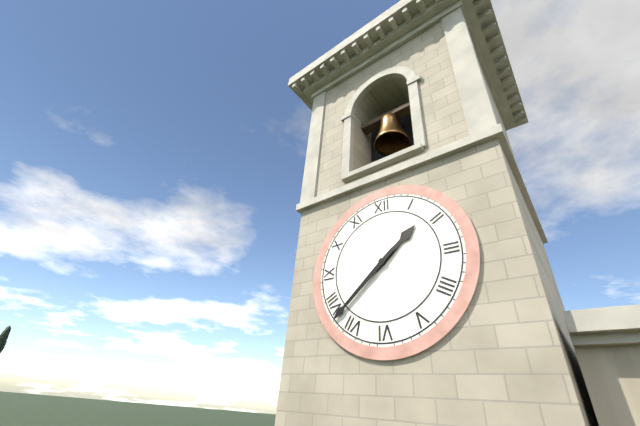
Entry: 1:38
